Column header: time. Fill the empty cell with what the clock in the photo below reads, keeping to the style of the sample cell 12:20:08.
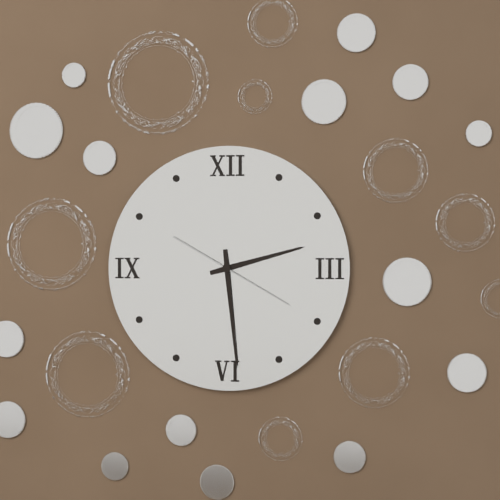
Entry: 2:29:20
